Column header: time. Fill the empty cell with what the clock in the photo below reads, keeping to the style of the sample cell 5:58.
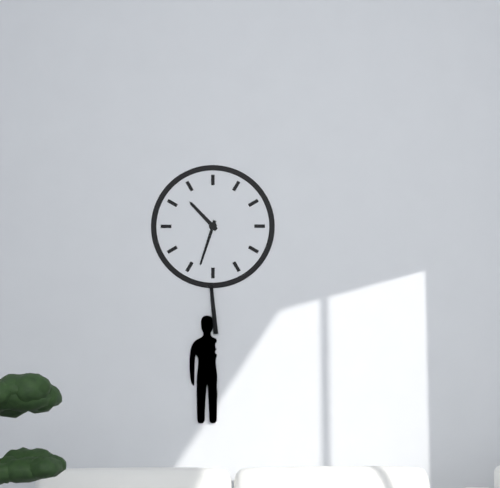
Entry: 10:33
